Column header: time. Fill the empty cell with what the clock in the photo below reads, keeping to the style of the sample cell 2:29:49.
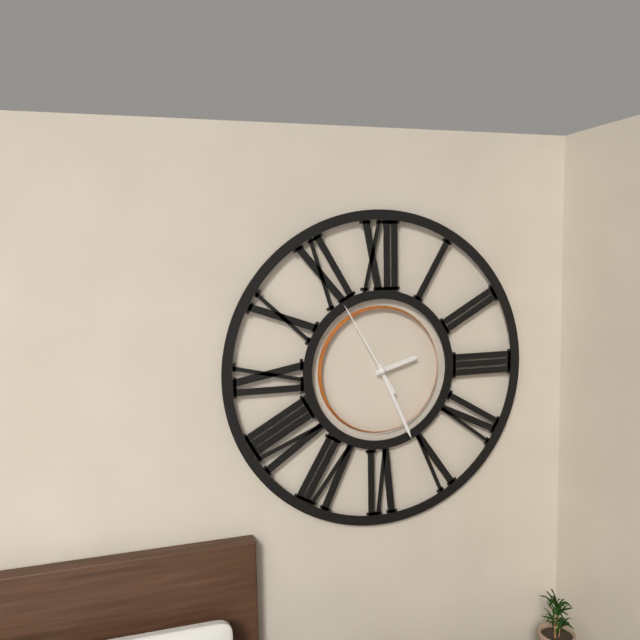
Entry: 2:26:55
